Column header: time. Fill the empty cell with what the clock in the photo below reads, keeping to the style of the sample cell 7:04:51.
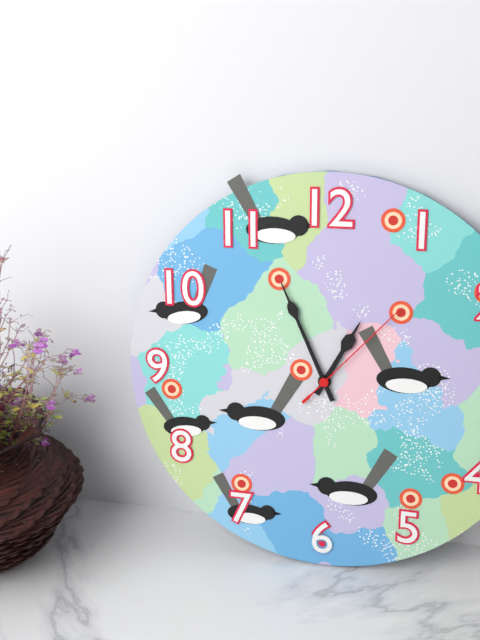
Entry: 12:56:07
